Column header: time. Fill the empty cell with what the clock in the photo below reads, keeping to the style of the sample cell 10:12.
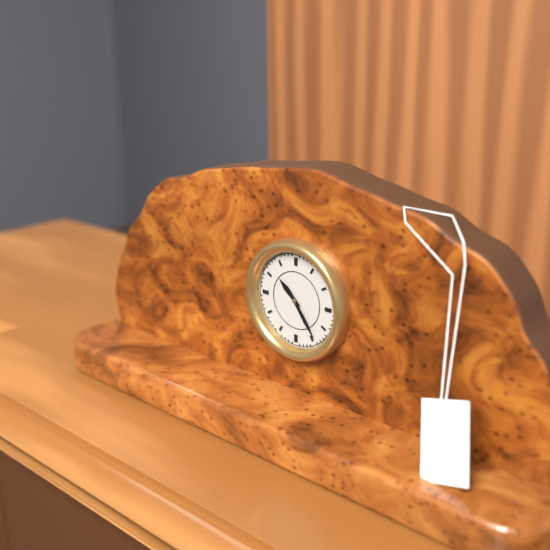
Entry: 10:24
